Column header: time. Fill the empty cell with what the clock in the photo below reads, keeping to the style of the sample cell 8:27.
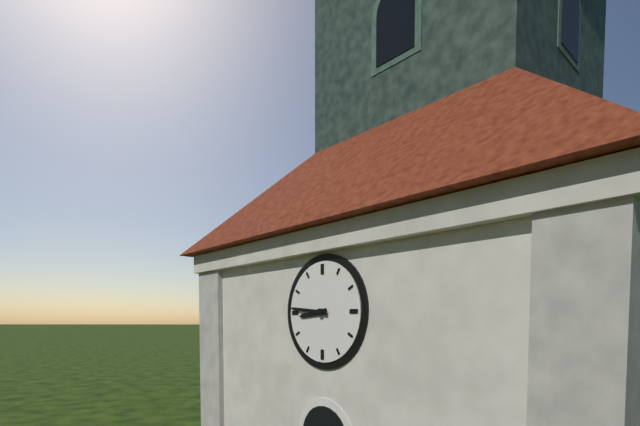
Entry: 8:46
